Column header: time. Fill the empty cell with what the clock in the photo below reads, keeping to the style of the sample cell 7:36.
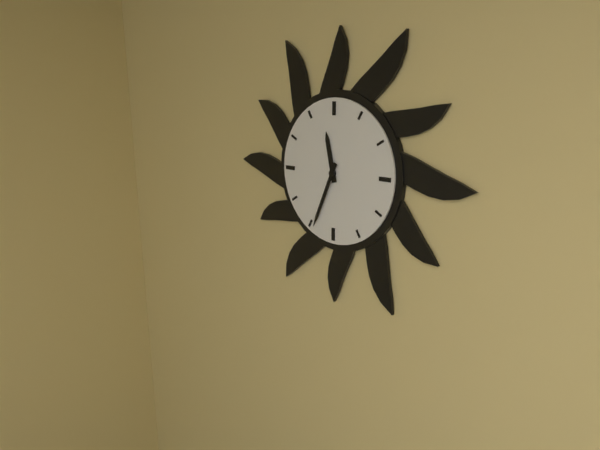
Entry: 11:34
